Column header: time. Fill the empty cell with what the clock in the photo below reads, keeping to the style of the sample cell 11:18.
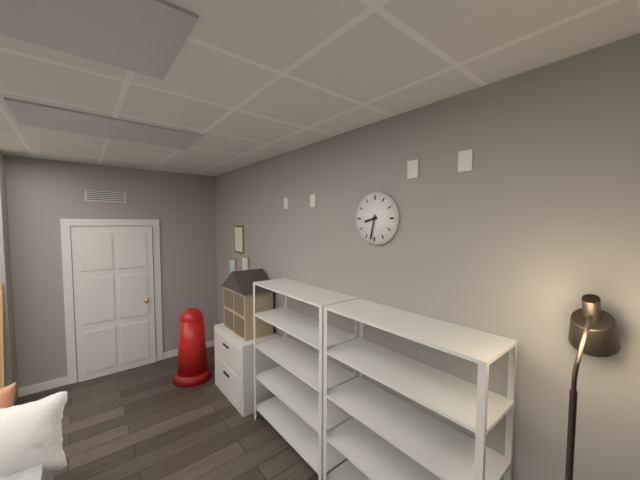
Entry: 8:32
